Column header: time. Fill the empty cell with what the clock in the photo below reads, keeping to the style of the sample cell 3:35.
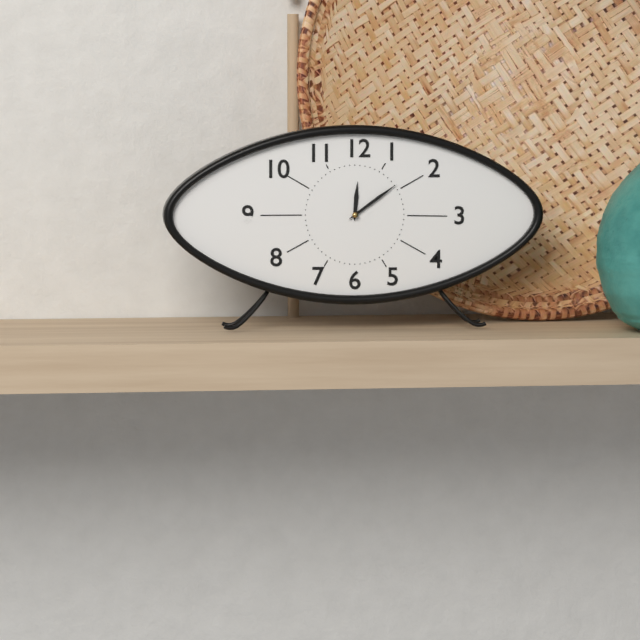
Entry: 12:09
